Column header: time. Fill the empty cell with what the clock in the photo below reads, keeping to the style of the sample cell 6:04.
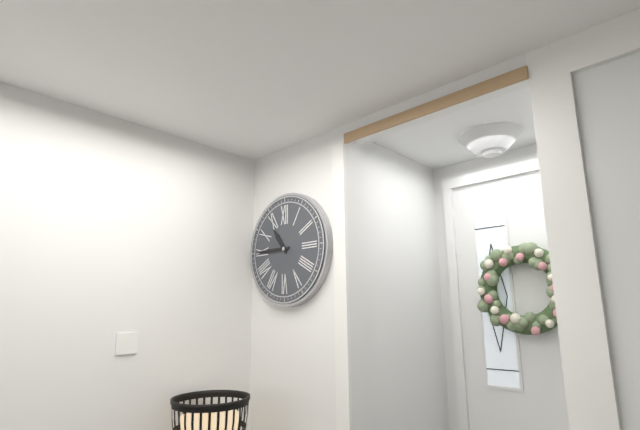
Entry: 10:45
